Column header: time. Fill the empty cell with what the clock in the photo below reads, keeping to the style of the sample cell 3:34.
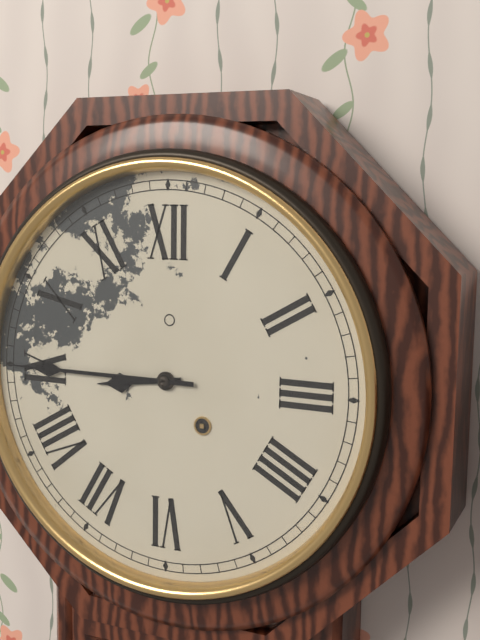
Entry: 8:45
